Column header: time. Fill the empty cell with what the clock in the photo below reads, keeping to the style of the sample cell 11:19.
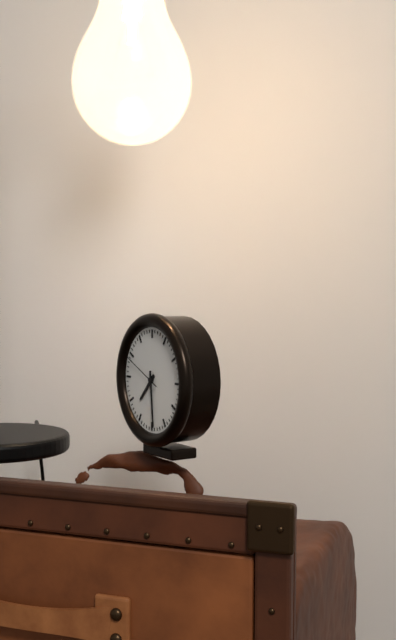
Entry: 7:29
